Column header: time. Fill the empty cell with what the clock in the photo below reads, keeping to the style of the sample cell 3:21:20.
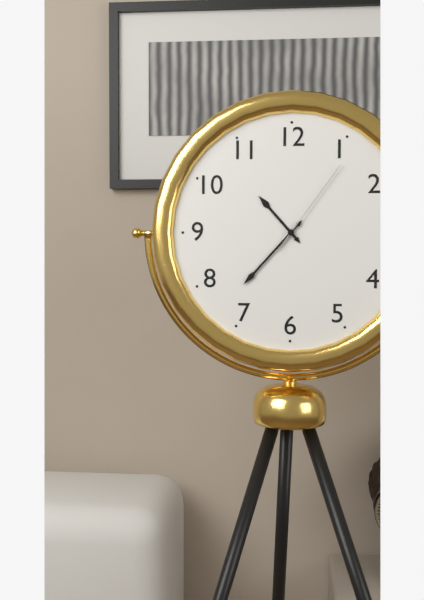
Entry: 10:37:06
